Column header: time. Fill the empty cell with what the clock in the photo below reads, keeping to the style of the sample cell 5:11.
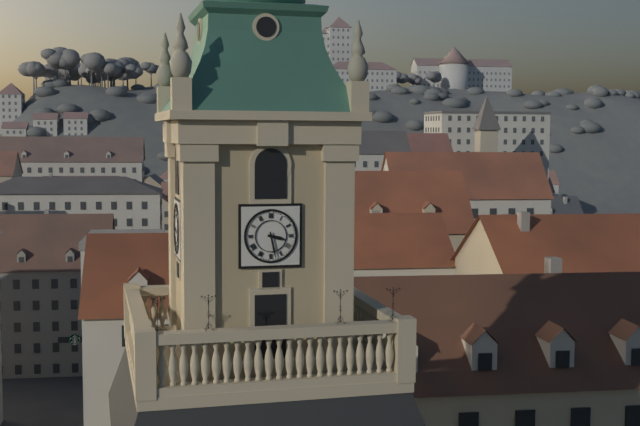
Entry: 3:28
